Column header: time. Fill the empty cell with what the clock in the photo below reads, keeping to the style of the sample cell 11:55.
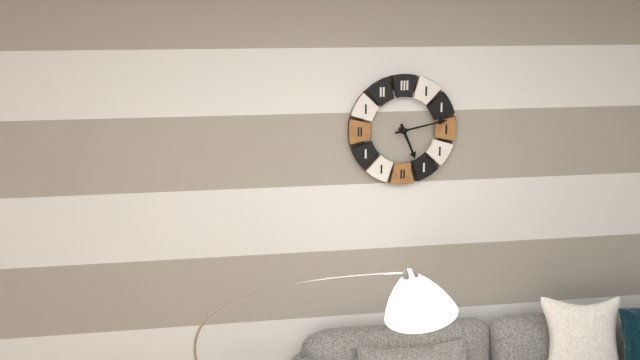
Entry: 5:13
